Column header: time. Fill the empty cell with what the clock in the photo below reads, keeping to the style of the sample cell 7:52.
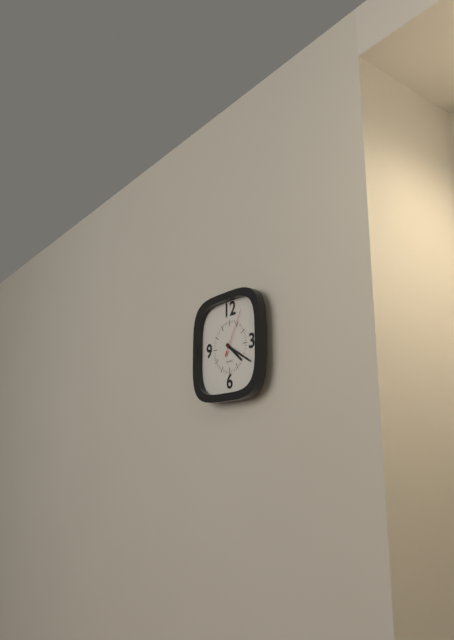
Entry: 4:20
